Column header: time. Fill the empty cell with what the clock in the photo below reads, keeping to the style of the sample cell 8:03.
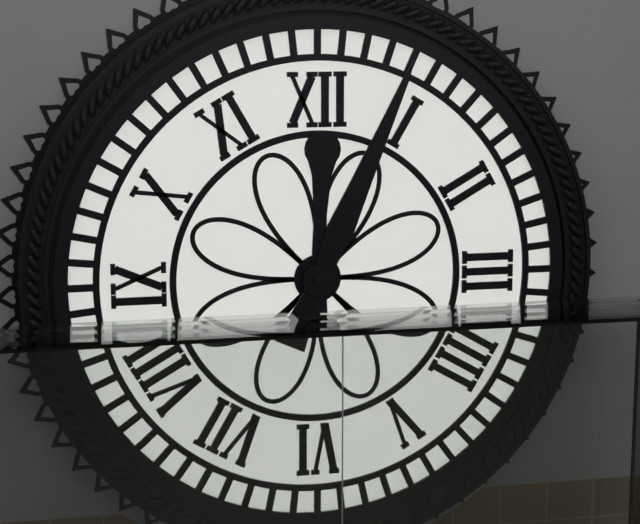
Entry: 12:04
